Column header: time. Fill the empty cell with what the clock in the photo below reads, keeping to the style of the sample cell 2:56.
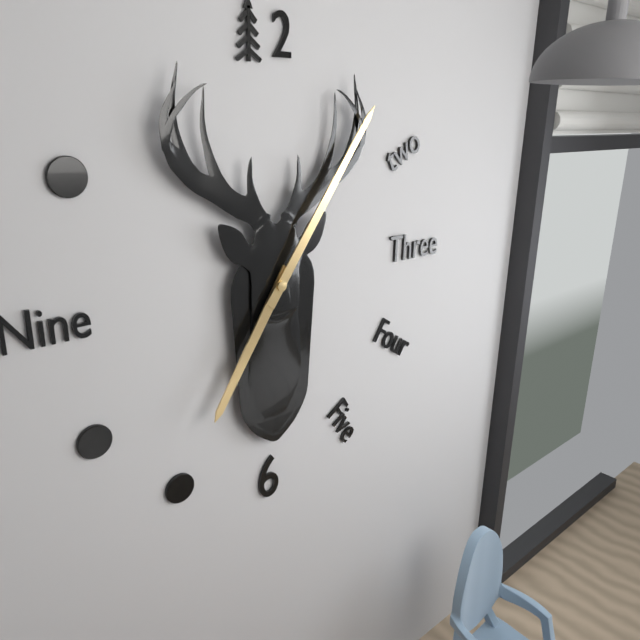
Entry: 7:06
